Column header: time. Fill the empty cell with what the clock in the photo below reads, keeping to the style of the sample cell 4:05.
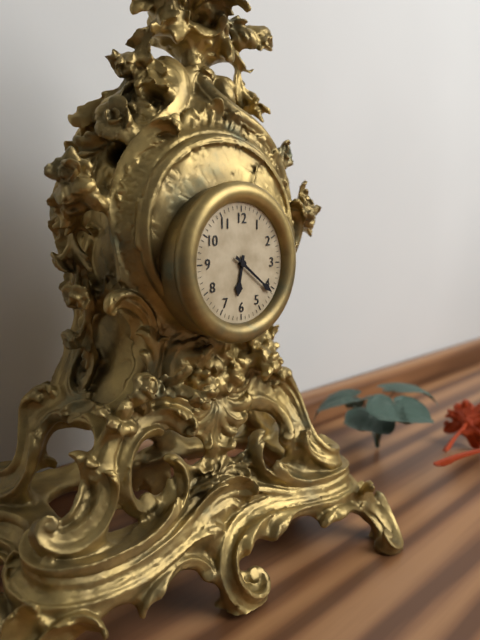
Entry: 6:21
